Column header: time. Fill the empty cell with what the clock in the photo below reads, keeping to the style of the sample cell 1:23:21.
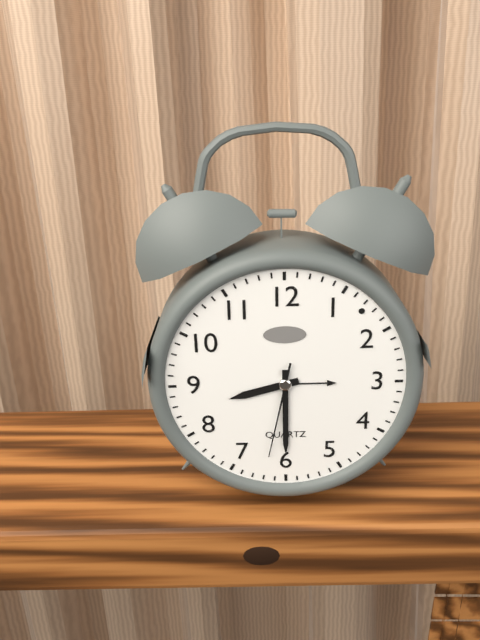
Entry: 8:30:32
